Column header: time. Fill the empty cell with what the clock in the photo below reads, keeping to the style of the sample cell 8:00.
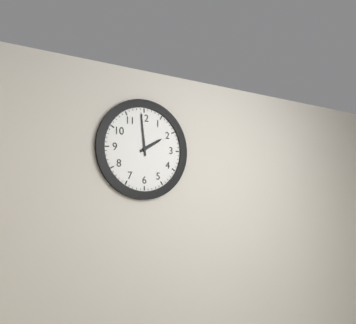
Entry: 1:59
